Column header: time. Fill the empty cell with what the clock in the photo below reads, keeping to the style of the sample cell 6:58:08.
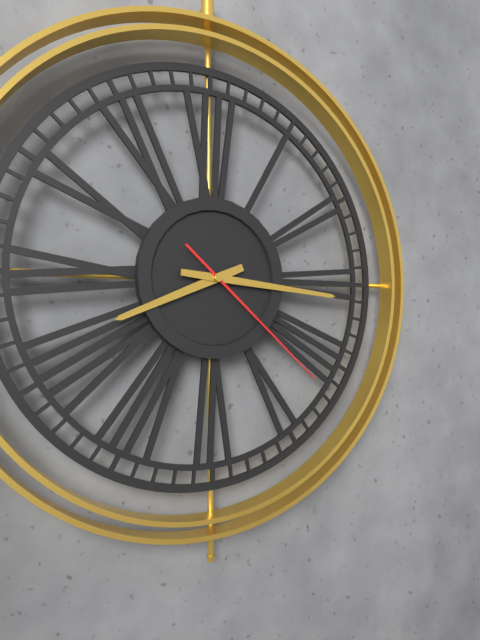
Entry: 8:16:22
